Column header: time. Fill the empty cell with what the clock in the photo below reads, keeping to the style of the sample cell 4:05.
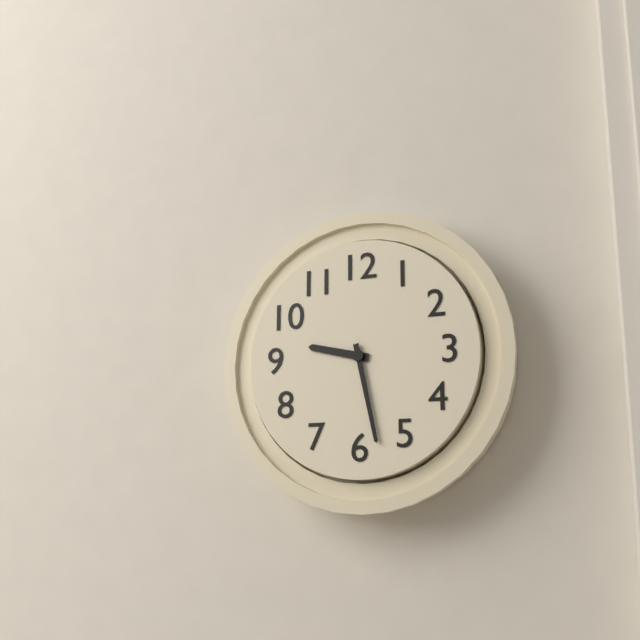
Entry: 9:28
